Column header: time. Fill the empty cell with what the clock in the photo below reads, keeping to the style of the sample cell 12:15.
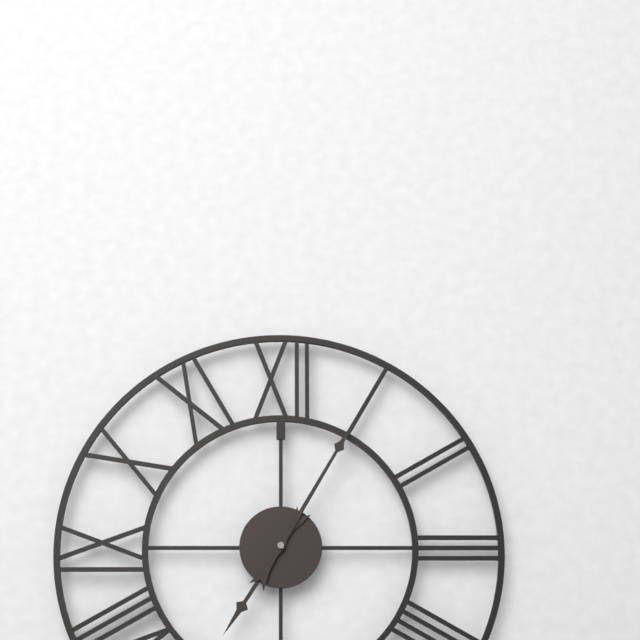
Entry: 7:05
